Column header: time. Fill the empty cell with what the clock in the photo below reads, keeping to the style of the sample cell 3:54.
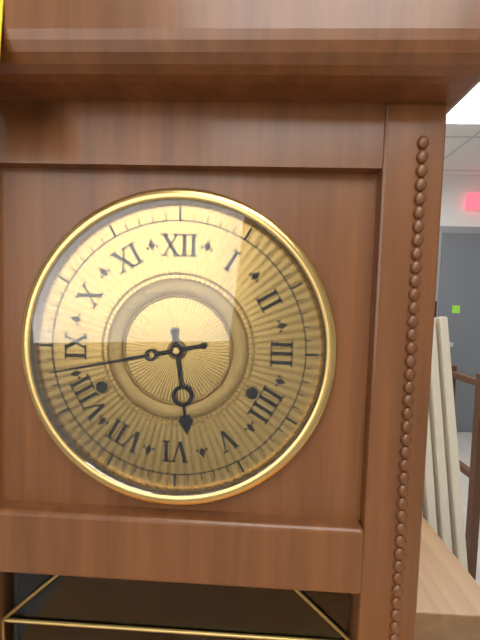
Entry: 5:43
